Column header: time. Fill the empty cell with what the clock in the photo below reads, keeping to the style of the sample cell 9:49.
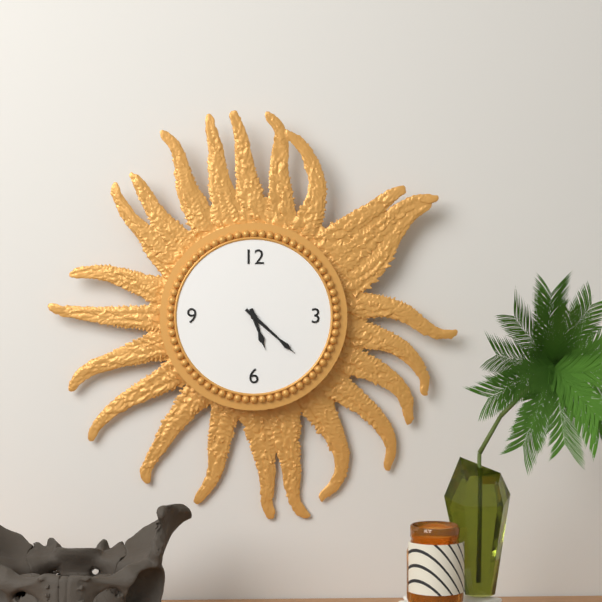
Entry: 5:22
